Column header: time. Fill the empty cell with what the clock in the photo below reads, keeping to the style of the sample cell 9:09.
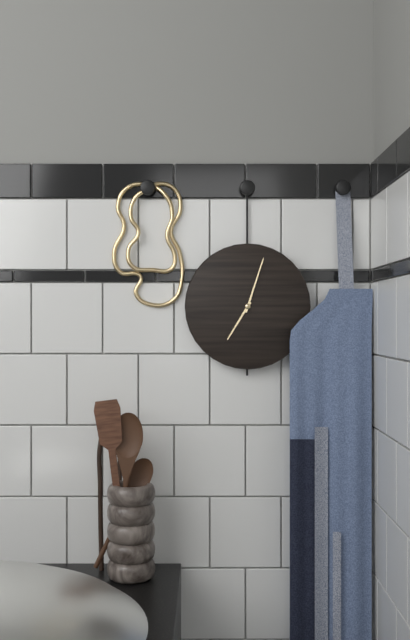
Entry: 7:03
